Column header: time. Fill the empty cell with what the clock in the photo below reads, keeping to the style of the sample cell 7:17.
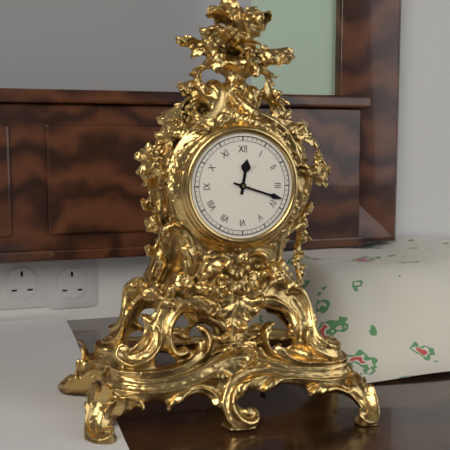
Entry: 12:18
